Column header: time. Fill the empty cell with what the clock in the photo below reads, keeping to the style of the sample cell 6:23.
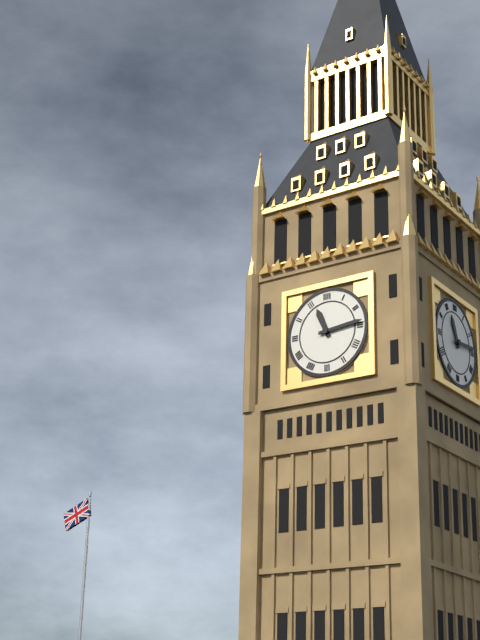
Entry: 11:14
